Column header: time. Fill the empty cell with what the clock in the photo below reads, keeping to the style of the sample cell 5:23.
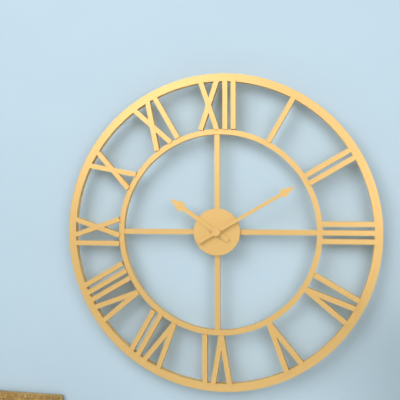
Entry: 10:10
